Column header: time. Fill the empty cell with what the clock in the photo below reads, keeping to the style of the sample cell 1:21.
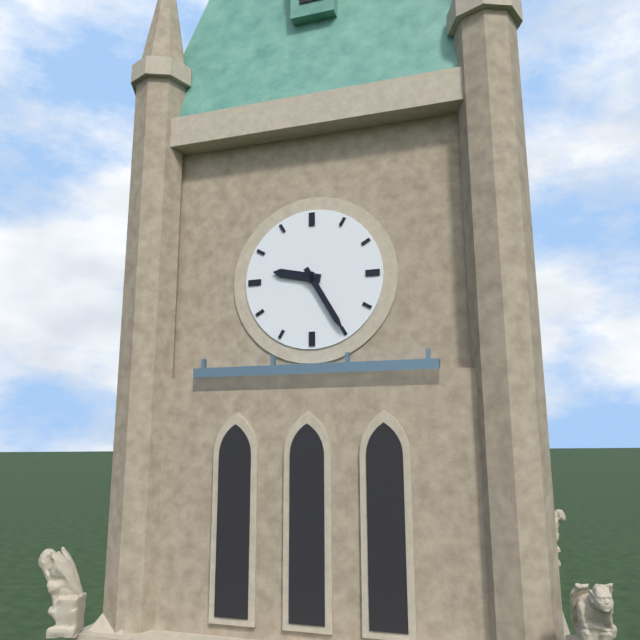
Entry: 9:25
